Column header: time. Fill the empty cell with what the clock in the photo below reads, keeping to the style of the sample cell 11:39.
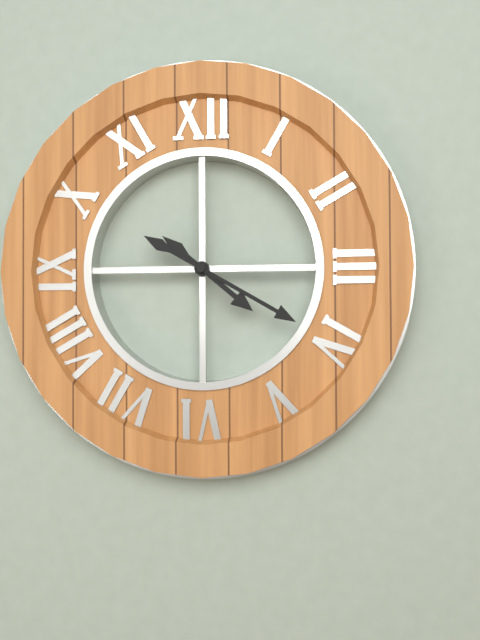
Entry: 4:20
